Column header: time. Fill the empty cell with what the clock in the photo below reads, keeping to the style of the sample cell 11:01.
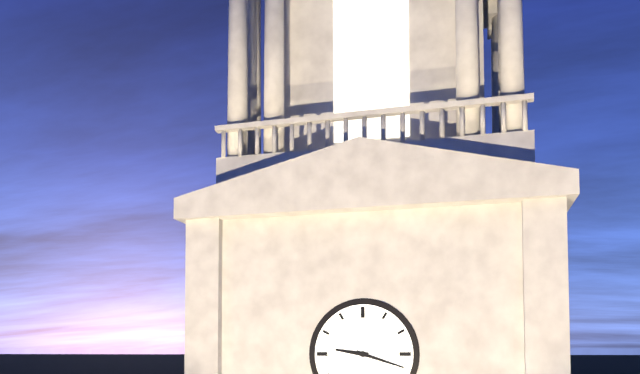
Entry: 9:18
